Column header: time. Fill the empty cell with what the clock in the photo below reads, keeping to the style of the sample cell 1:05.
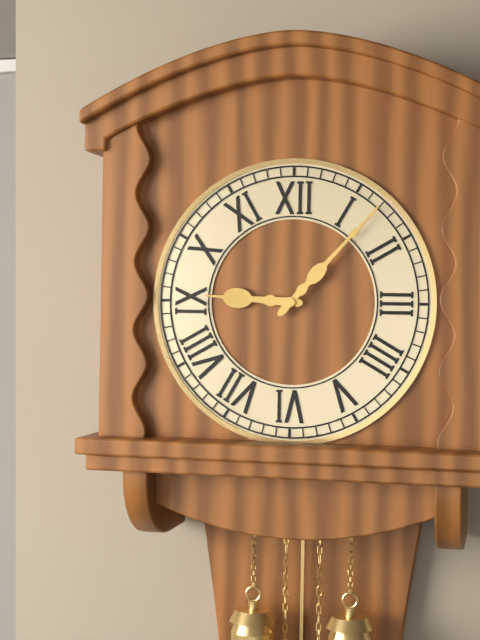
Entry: 9:07
